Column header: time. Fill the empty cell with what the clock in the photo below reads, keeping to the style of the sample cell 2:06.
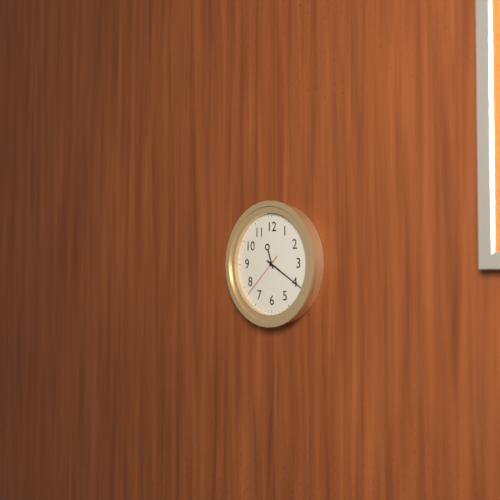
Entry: 11:20
